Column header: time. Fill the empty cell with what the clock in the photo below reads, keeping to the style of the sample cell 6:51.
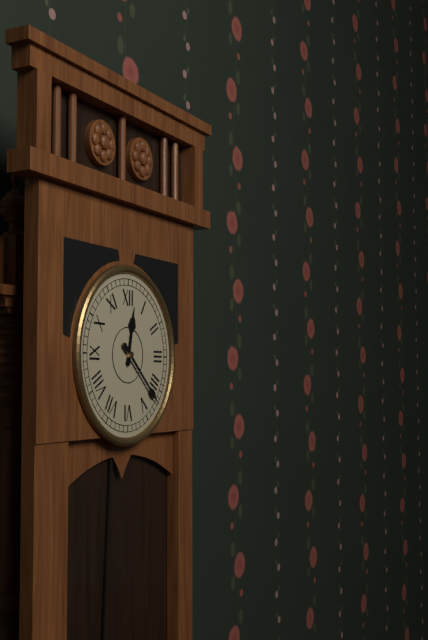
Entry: 12:22
